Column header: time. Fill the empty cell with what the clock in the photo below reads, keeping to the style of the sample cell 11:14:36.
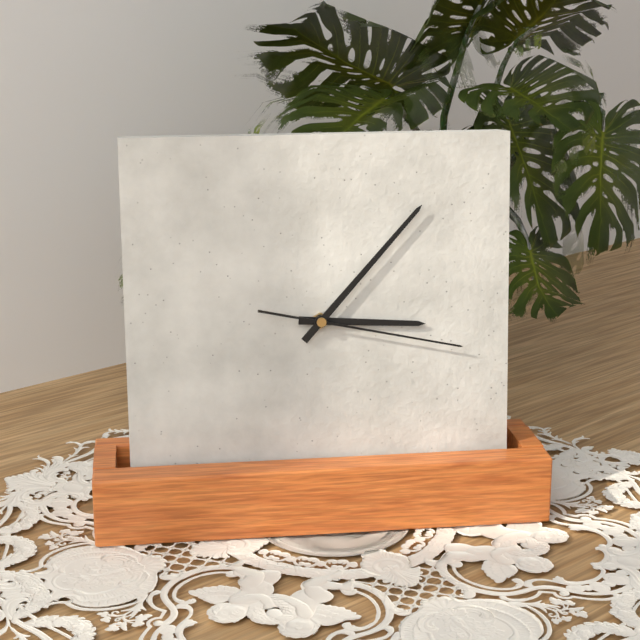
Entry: 3:07:17
